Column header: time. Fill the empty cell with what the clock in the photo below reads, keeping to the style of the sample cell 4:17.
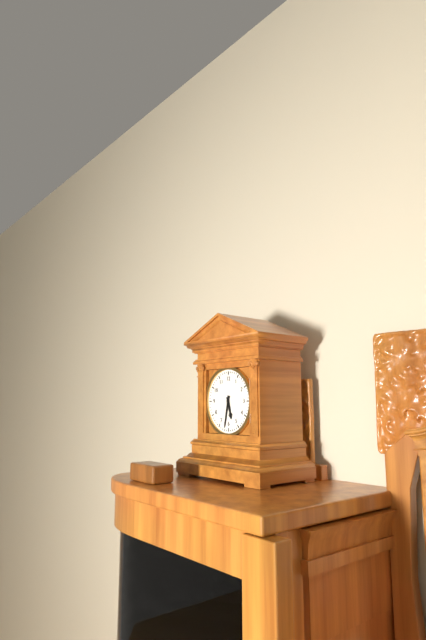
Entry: 5:32
